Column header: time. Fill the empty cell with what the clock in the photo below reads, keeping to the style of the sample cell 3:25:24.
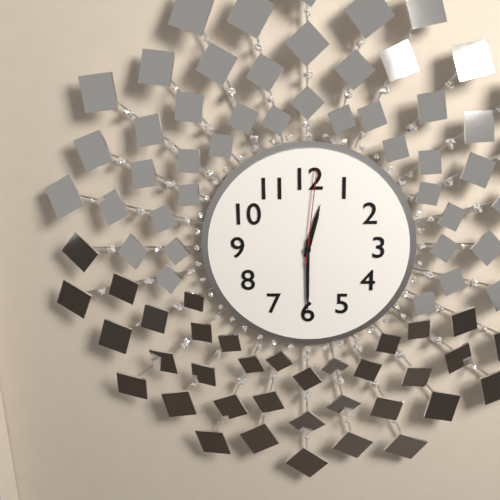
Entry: 12:30:01
